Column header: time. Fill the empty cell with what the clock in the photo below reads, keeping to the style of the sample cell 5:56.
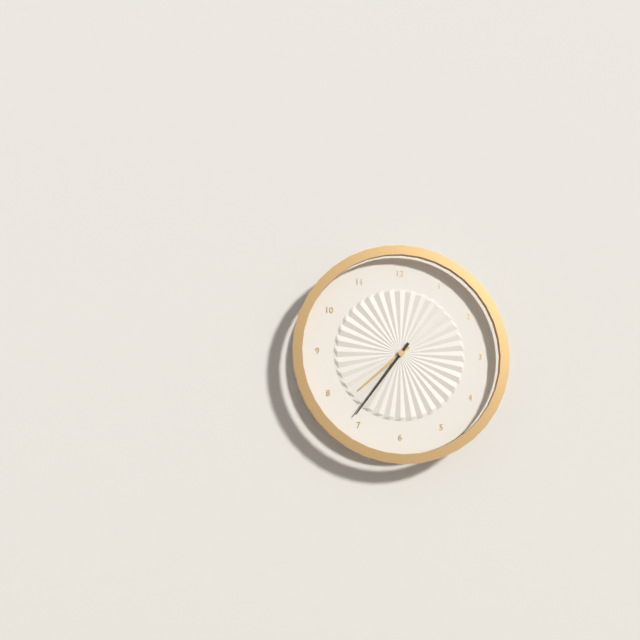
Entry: 7:36
